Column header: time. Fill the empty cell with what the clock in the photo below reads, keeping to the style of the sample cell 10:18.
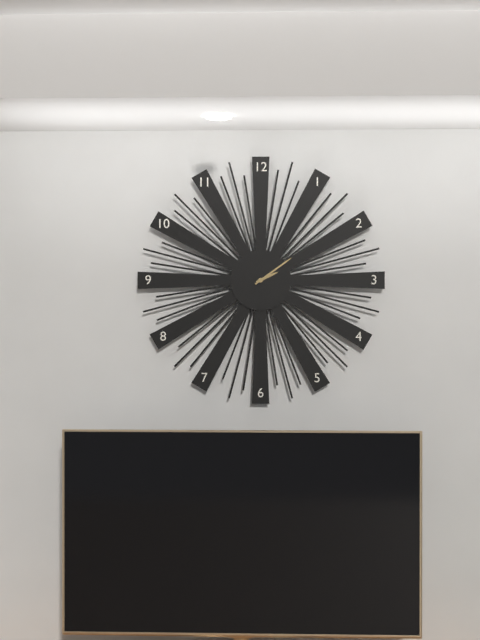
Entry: 2:09
